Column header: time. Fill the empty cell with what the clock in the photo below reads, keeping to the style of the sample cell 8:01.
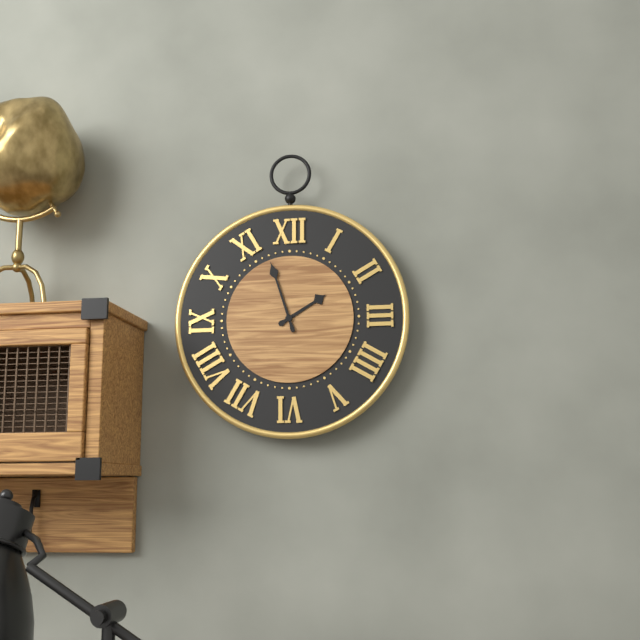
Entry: 1:57
